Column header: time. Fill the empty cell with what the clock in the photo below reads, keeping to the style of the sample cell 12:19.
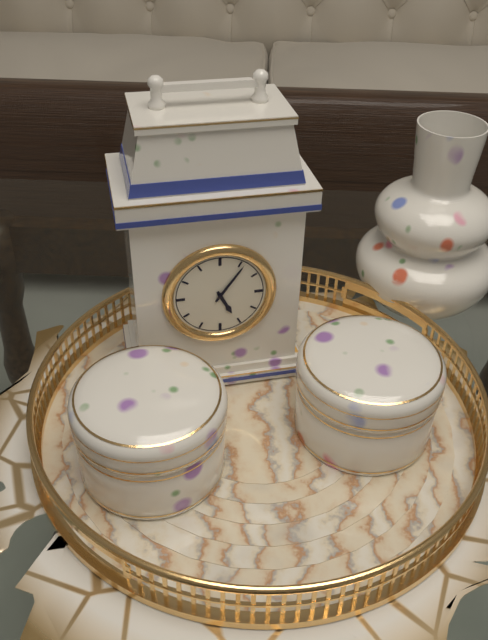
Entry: 5:06
